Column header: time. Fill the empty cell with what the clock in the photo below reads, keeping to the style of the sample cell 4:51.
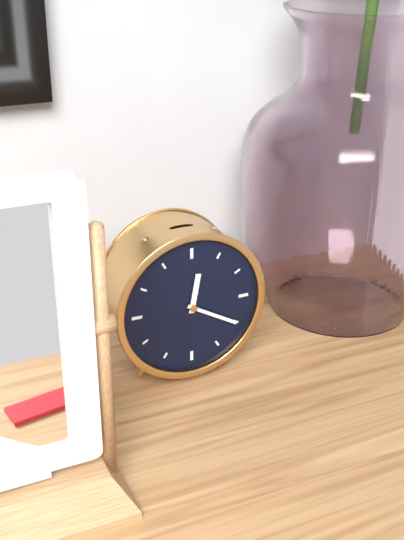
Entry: 12:20
